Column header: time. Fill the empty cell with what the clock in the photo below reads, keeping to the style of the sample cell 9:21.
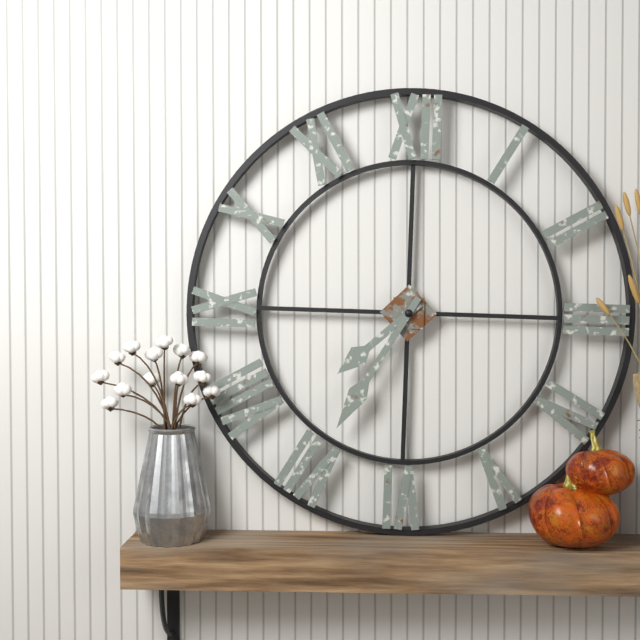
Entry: 7:35
